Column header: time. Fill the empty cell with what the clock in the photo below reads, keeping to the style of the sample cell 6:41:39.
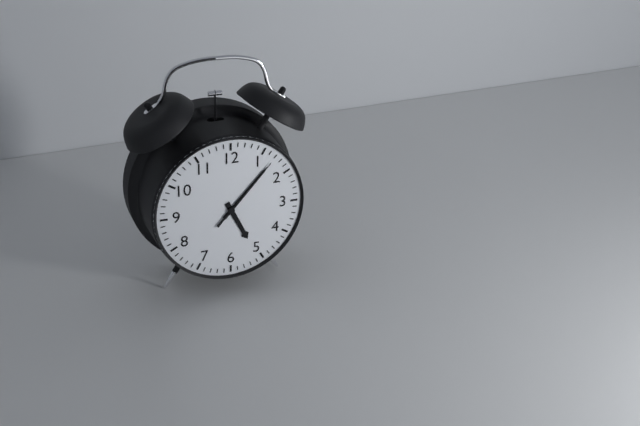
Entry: 5:07:07
